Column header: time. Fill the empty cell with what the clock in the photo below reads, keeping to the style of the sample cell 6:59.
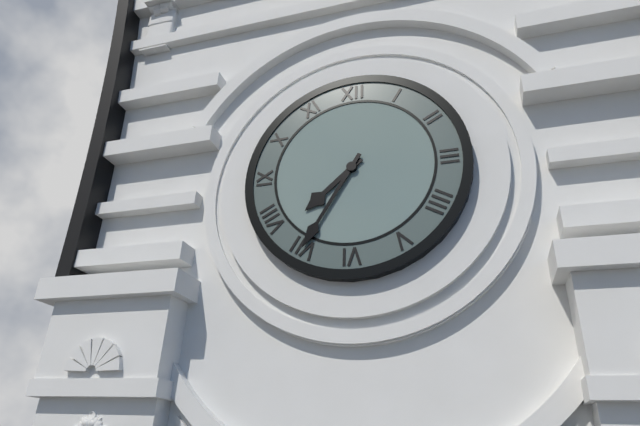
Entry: 7:35
